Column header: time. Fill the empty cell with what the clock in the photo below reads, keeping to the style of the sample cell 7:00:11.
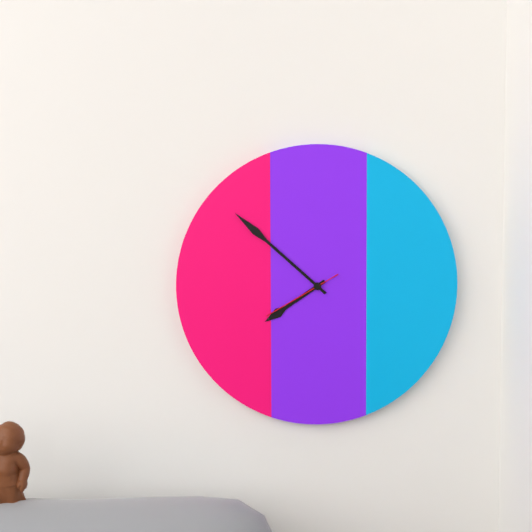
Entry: 7:52:40
